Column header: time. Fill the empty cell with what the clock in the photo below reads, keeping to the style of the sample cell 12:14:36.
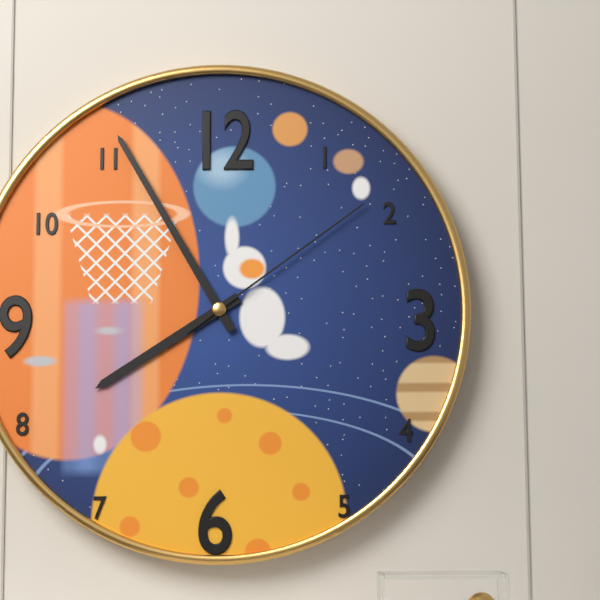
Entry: 7:55:09
